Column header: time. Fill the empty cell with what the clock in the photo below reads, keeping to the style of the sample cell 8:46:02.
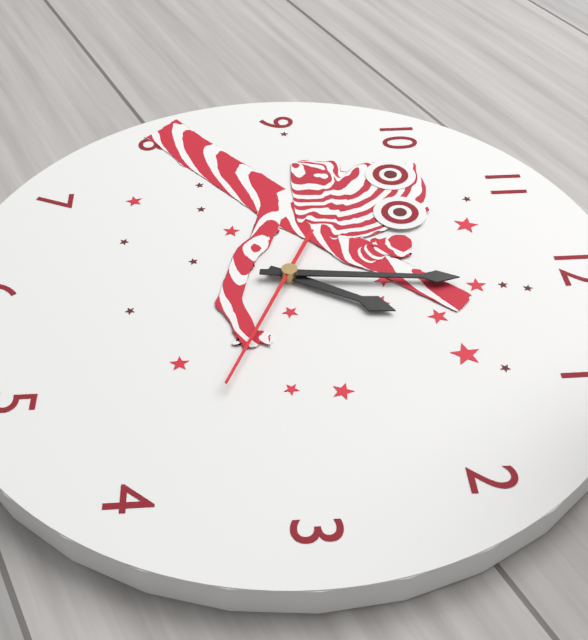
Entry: 1:01:19
